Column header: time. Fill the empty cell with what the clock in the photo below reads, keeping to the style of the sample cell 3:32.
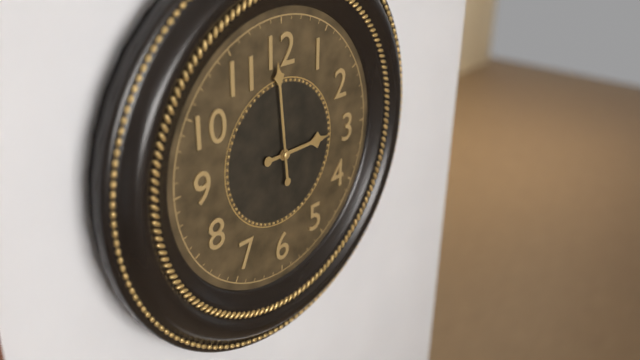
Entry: 2:59
